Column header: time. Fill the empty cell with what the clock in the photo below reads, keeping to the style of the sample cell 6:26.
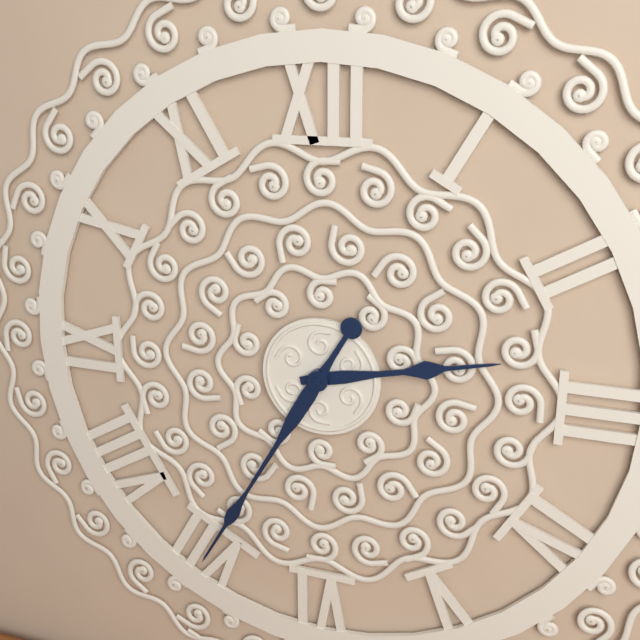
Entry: 2:35
